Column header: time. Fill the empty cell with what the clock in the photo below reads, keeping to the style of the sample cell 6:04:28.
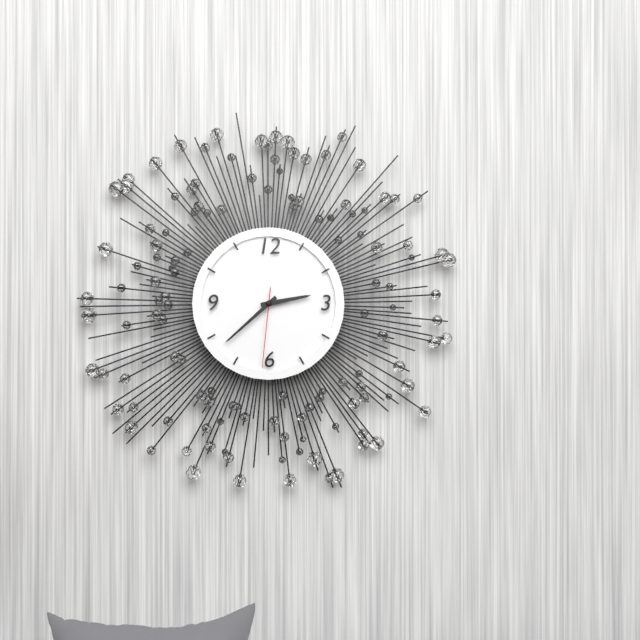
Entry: 2:38:31
